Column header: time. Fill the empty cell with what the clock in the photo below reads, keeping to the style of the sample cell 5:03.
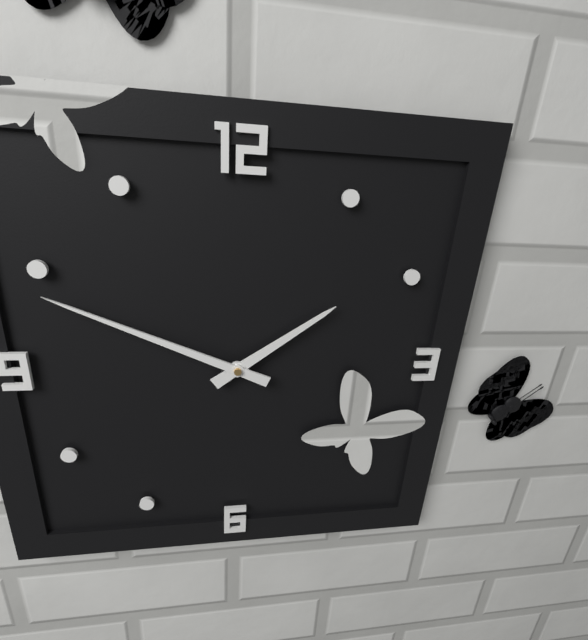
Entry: 1:49
